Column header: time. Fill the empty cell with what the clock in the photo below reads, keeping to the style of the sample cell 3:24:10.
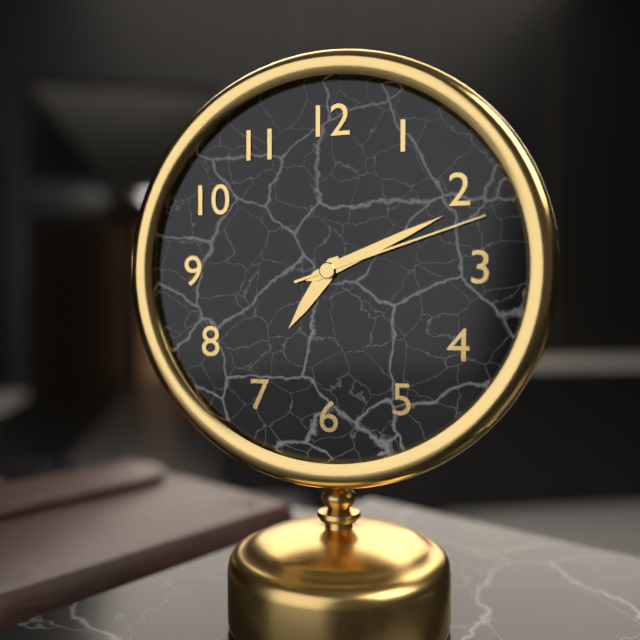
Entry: 7:11:12
